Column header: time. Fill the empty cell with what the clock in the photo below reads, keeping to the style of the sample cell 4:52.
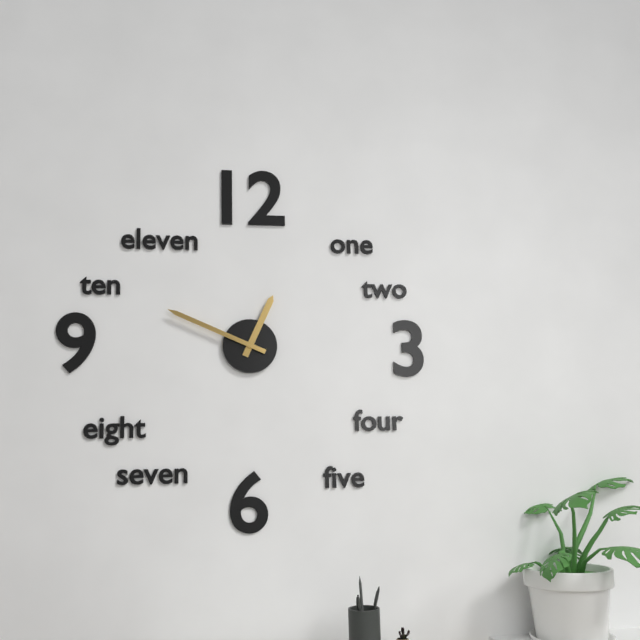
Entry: 12:49
